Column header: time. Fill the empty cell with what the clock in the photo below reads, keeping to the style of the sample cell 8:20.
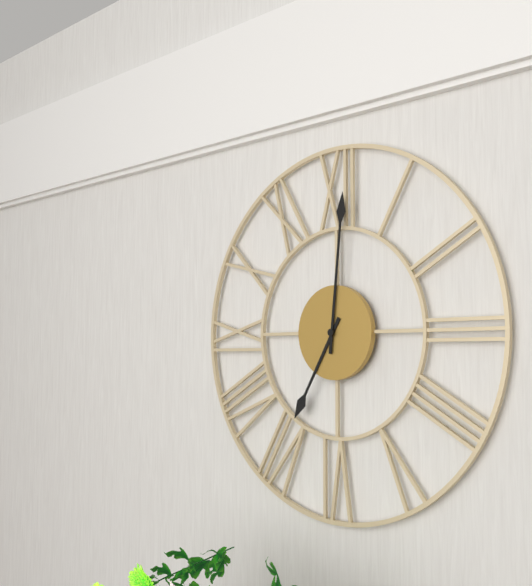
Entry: 7:01
